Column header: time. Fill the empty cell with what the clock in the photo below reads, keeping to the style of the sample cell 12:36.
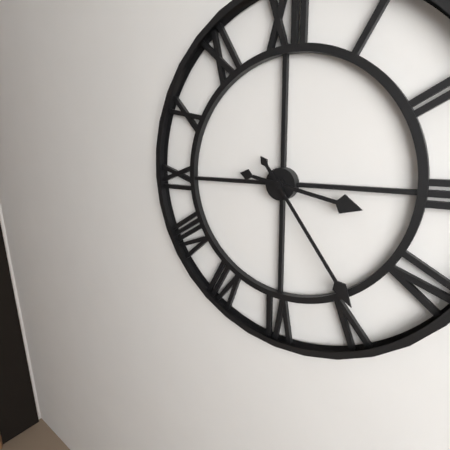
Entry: 3:24
